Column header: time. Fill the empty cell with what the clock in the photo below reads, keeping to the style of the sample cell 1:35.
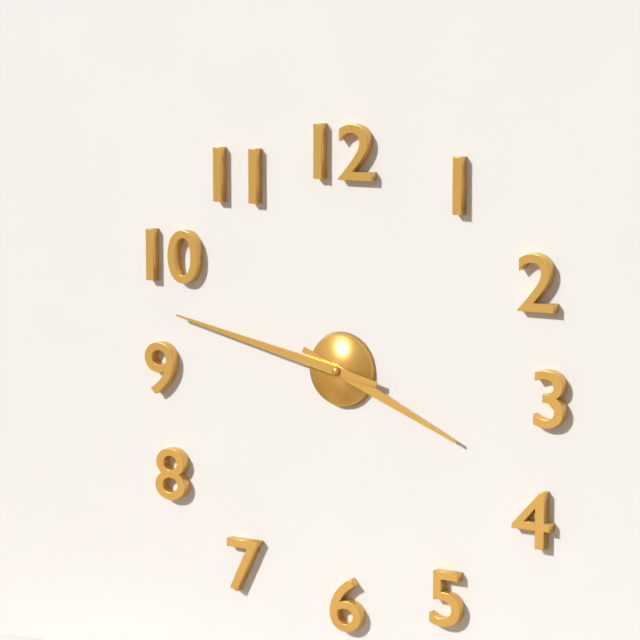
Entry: 3:47
